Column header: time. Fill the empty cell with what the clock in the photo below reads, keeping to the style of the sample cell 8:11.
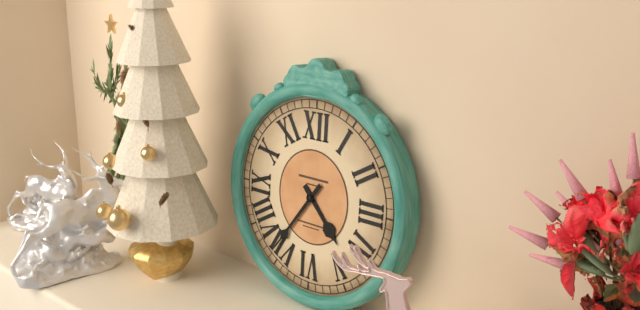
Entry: 4:36
